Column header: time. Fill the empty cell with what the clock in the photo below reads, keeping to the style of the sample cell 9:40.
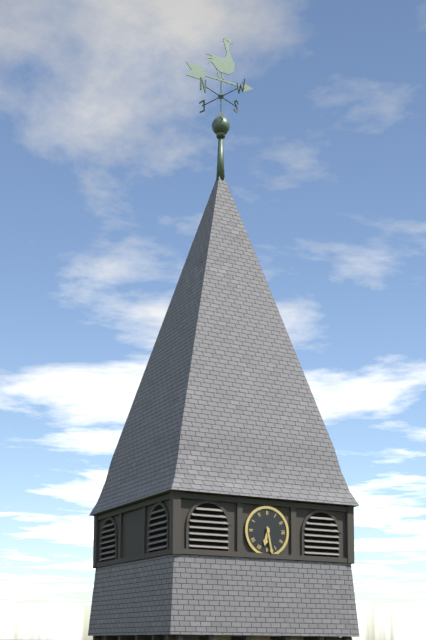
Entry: 6:28
